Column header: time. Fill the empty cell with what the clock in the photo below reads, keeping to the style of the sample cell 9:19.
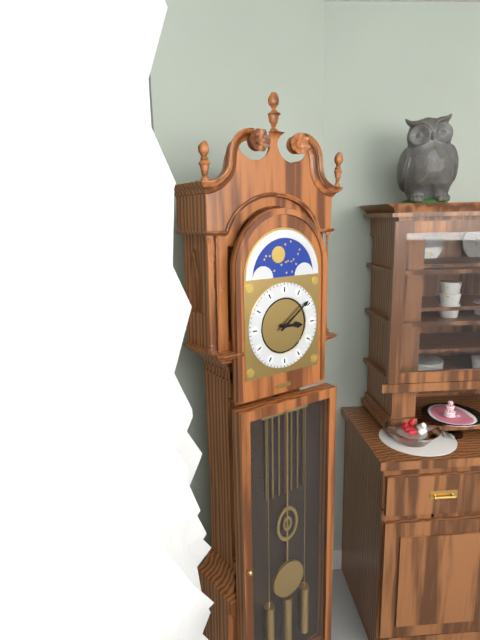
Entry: 3:09
